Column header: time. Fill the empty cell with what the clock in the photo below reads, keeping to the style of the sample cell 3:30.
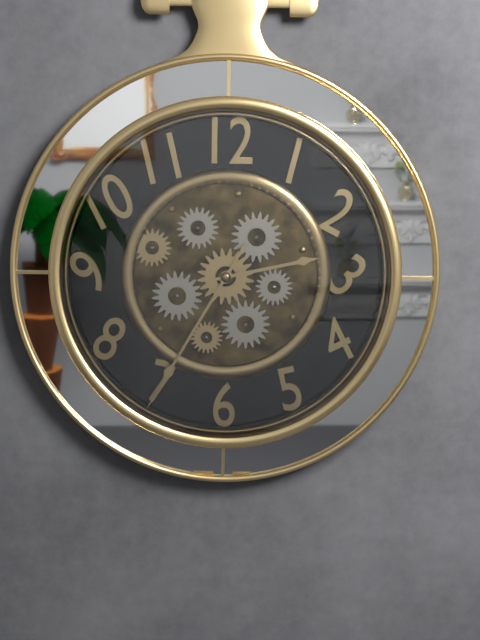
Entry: 2:35
